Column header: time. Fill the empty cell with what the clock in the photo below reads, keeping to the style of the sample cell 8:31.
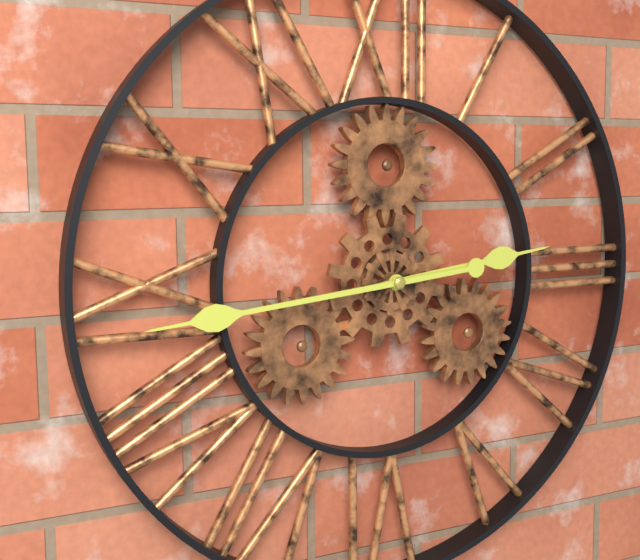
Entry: 2:44
